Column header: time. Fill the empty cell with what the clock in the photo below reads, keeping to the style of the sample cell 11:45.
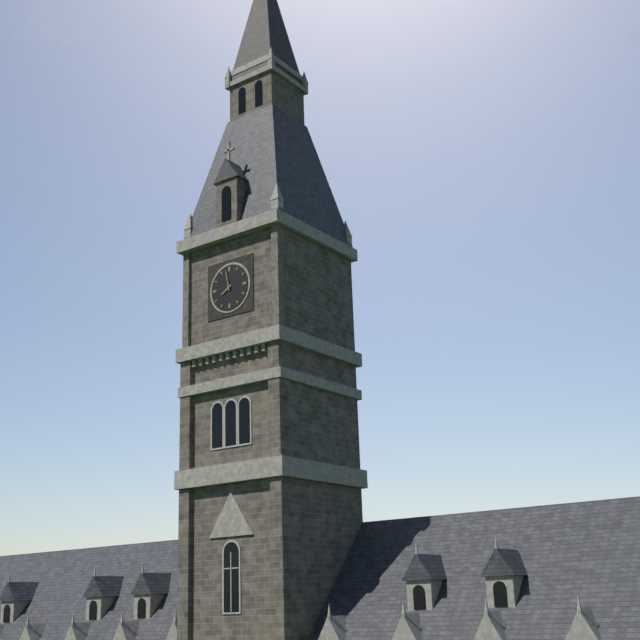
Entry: 7:58
